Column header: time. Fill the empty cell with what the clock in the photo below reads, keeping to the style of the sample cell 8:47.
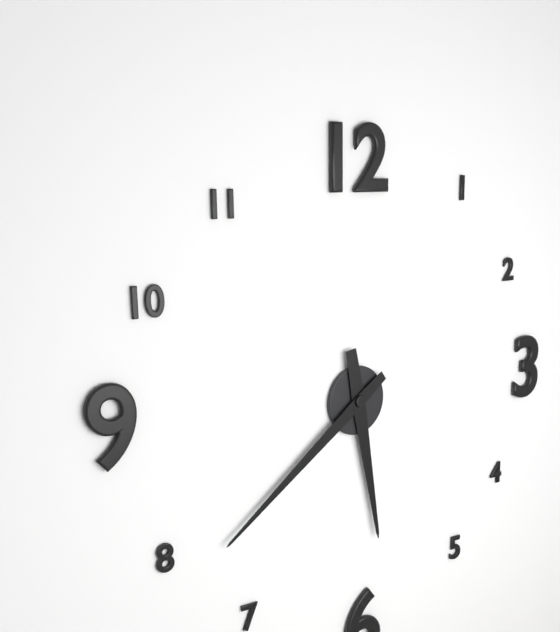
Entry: 5:39
